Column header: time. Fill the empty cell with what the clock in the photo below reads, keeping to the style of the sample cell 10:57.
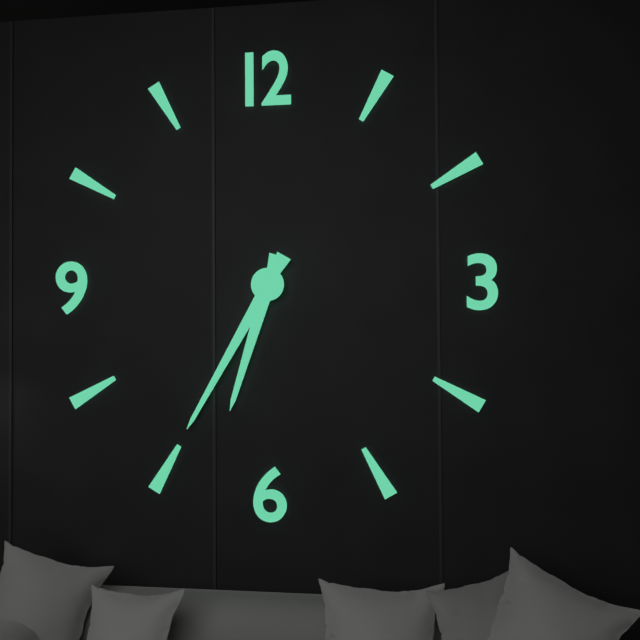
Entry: 6:35
